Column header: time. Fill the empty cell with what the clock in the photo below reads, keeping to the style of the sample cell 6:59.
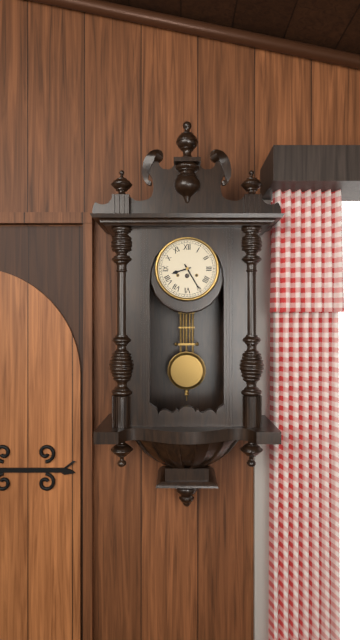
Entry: 8:25
